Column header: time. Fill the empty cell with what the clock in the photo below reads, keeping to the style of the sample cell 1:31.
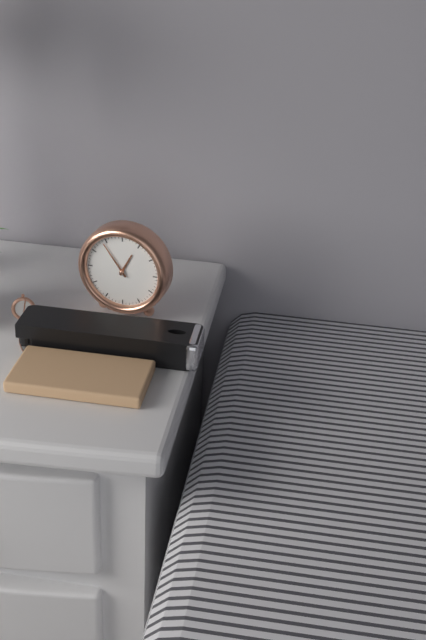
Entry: 12:54
